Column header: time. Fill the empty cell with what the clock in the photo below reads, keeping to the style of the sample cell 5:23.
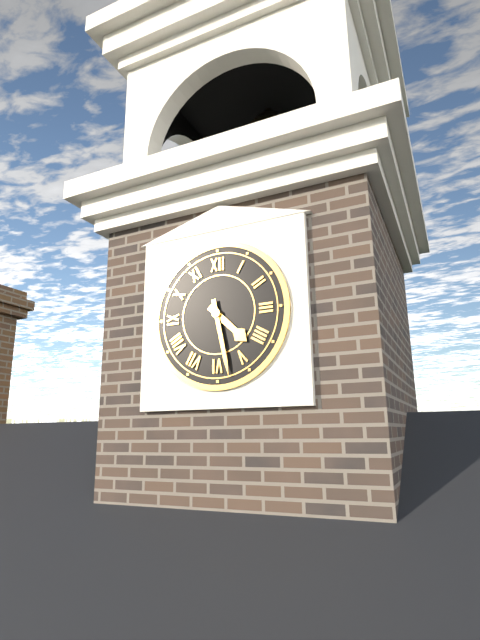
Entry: 4:28
